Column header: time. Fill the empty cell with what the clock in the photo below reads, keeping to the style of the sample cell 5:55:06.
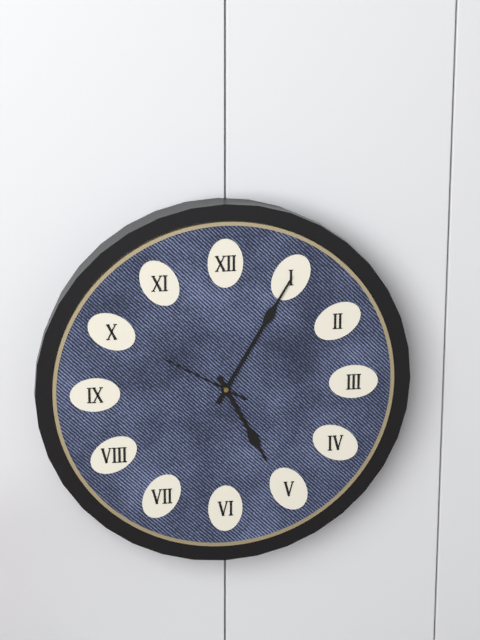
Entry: 5:05:50
